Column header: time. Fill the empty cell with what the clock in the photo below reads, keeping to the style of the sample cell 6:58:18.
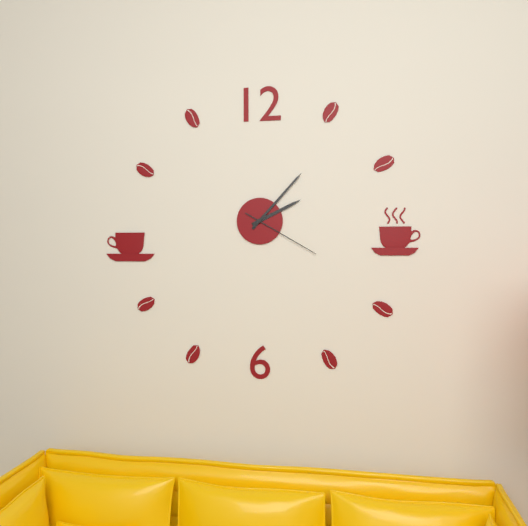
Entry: 2:07:20
